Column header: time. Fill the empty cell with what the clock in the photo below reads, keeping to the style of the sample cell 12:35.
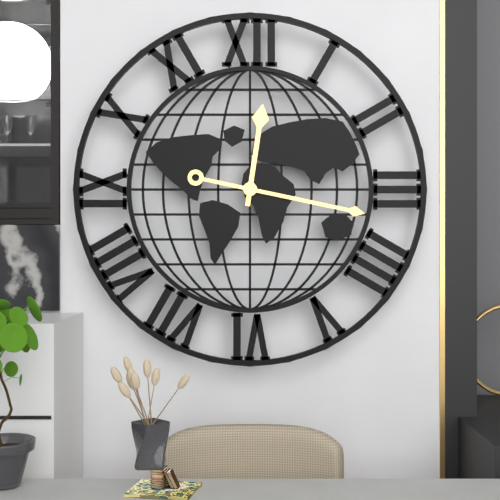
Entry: 12:17
